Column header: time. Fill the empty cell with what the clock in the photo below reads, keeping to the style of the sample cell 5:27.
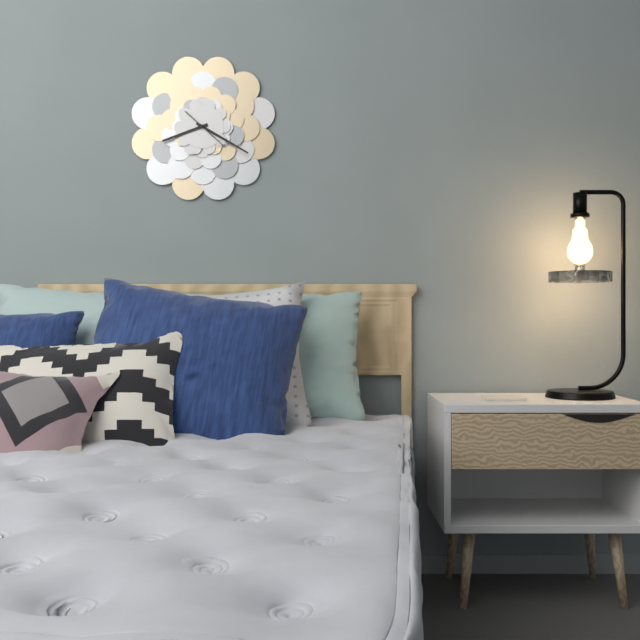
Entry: 8:20
